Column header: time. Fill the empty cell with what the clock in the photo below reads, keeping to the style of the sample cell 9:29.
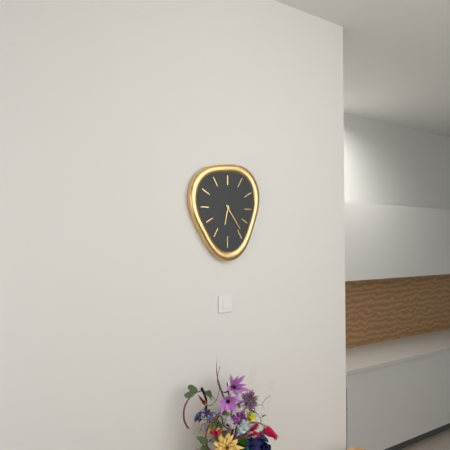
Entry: 6:24
